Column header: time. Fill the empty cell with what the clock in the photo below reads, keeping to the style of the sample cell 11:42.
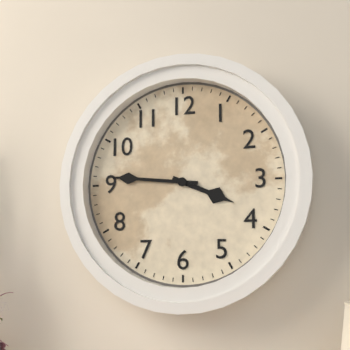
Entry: 3:46
